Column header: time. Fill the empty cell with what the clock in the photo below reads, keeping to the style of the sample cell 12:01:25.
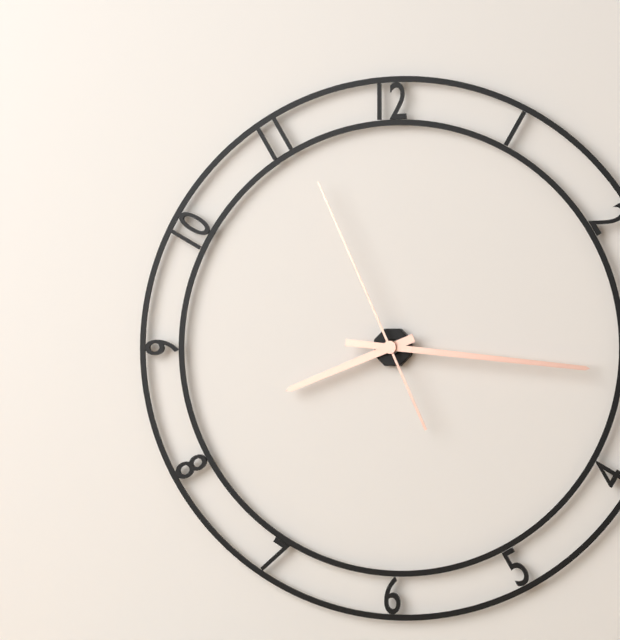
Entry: 8:16:56
